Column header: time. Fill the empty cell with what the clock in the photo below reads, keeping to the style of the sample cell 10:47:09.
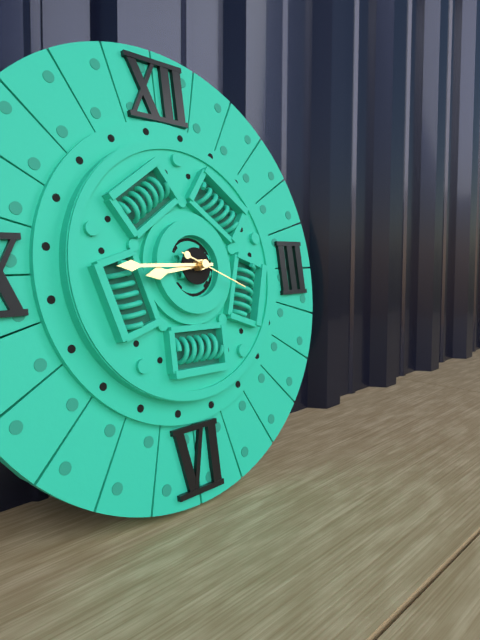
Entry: 8:45:19
